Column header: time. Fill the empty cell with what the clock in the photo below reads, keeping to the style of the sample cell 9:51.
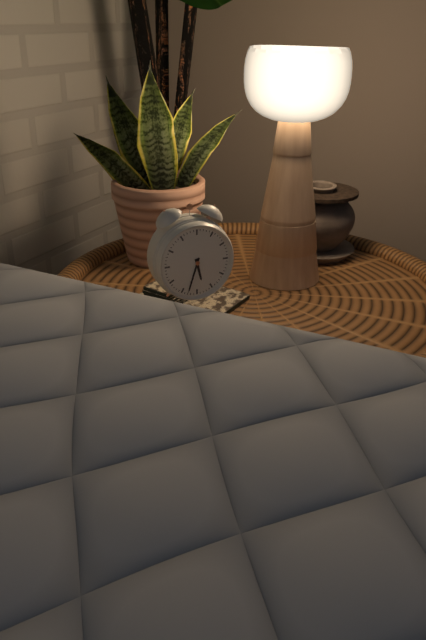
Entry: 5:33
